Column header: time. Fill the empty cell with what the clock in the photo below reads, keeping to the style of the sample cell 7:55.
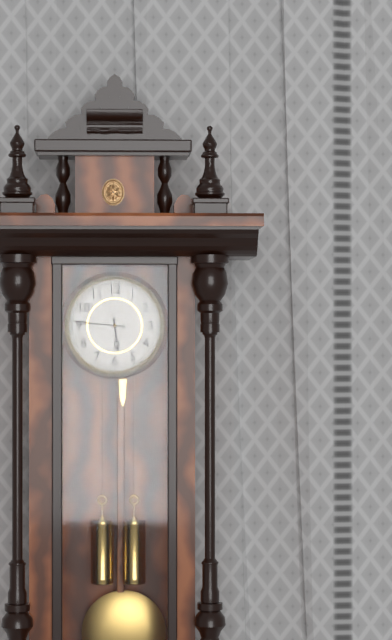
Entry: 5:46
